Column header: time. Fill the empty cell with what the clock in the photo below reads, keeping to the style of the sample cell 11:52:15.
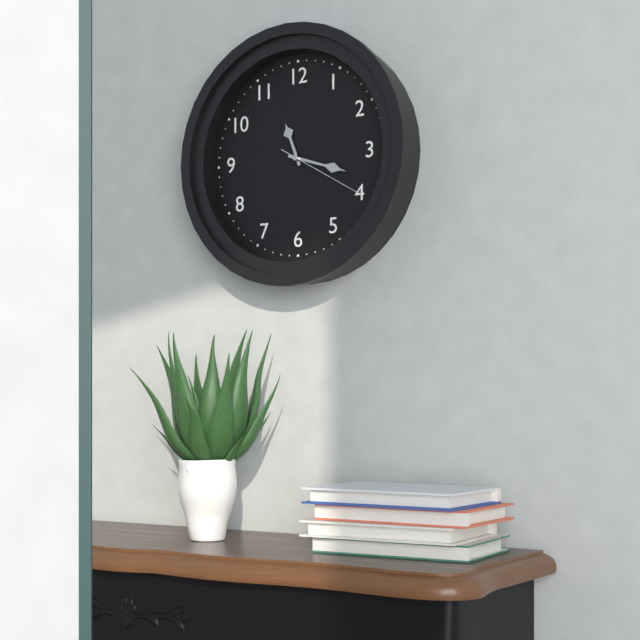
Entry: 11:18:20
